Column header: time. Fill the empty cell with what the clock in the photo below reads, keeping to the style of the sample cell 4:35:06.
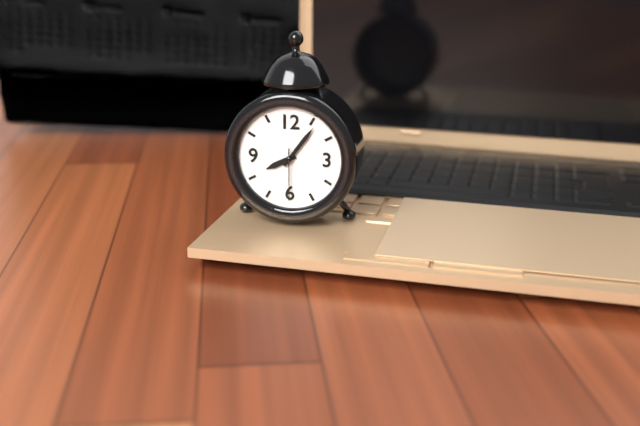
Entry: 8:06:30
